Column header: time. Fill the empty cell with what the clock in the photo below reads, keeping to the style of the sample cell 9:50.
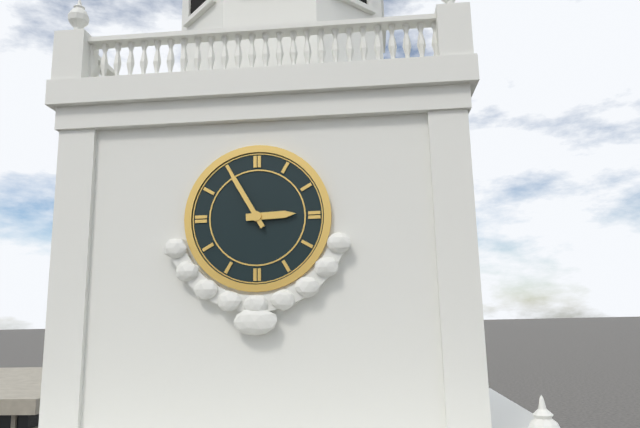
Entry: 2:55
